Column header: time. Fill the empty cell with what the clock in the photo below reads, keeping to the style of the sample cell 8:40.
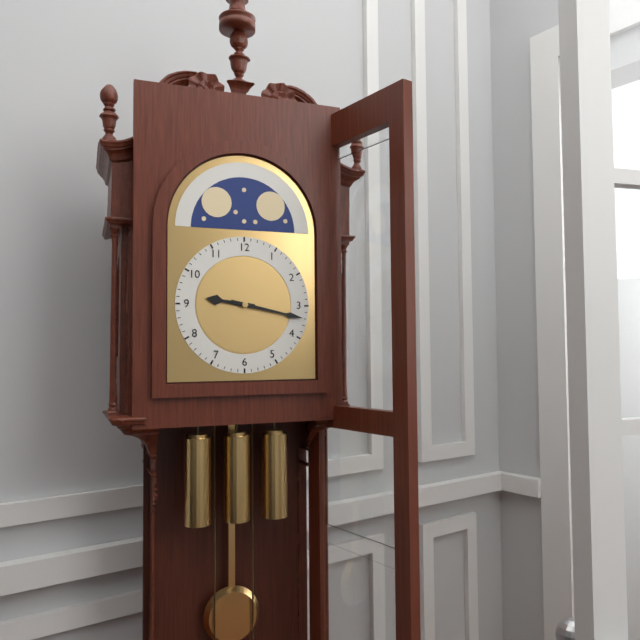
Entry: 9:17
